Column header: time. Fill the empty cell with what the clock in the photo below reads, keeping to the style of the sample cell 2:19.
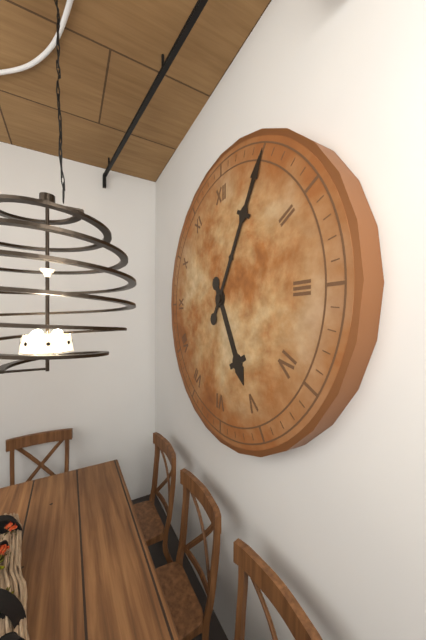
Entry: 5:05
